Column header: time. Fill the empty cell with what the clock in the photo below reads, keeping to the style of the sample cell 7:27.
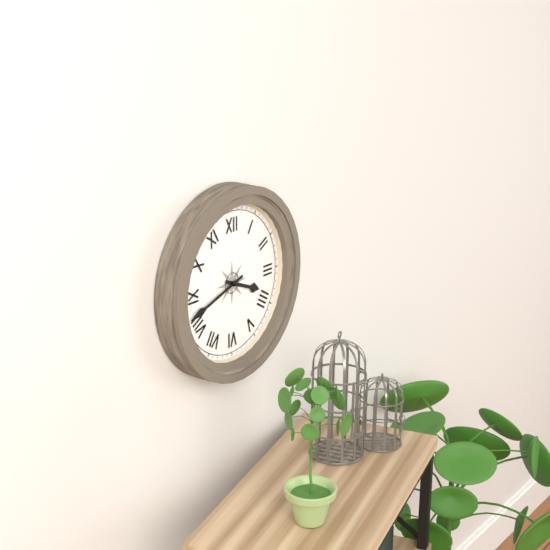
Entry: 3:42
